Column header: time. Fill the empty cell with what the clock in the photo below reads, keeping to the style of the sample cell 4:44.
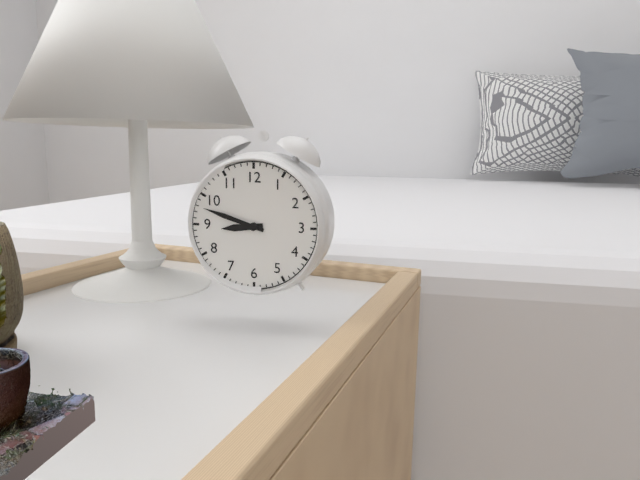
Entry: 8:48
